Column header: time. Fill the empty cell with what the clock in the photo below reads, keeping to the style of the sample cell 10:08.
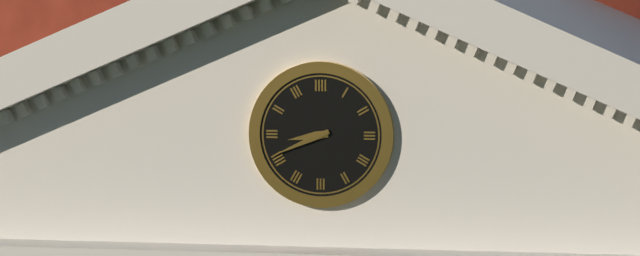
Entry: 8:41
